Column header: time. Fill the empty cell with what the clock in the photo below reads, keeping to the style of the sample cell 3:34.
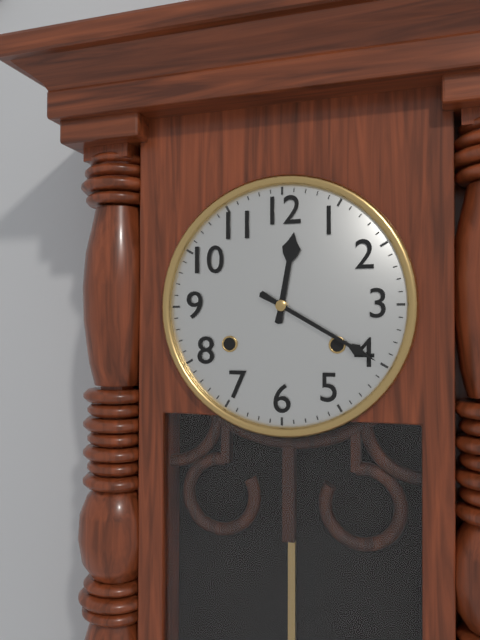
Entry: 12:20
